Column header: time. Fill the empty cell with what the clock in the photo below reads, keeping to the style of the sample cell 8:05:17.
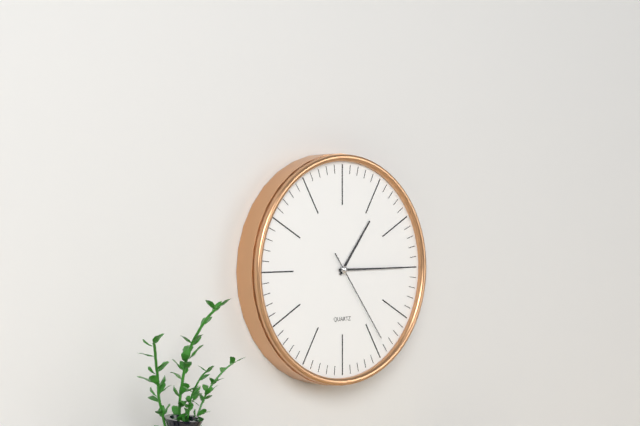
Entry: 1:15:24
